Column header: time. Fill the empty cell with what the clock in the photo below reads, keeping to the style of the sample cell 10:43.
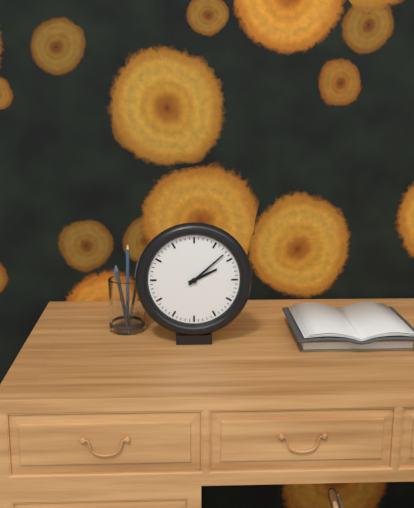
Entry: 2:08
